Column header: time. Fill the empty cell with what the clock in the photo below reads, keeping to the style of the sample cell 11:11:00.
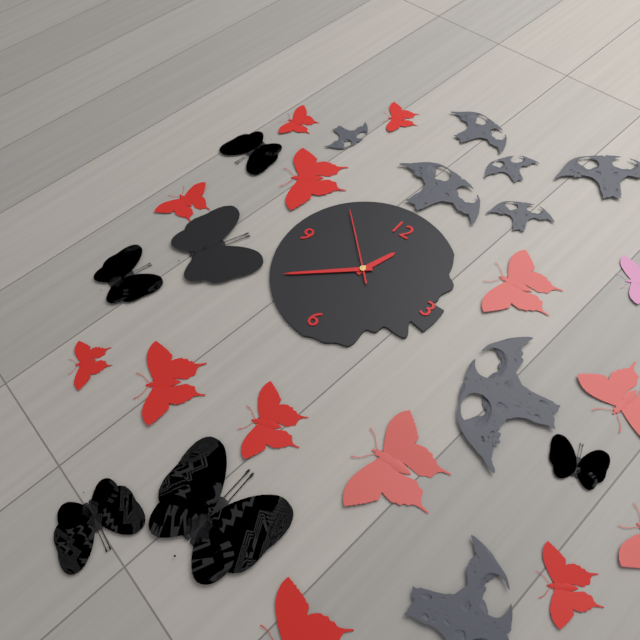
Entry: 12:38:52
